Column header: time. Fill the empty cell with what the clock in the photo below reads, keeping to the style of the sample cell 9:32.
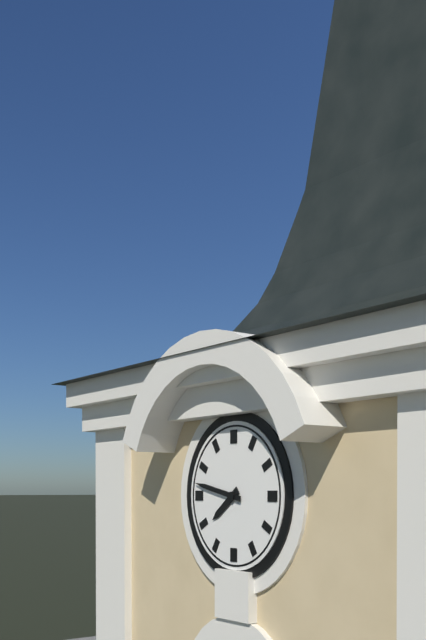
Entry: 7:47
